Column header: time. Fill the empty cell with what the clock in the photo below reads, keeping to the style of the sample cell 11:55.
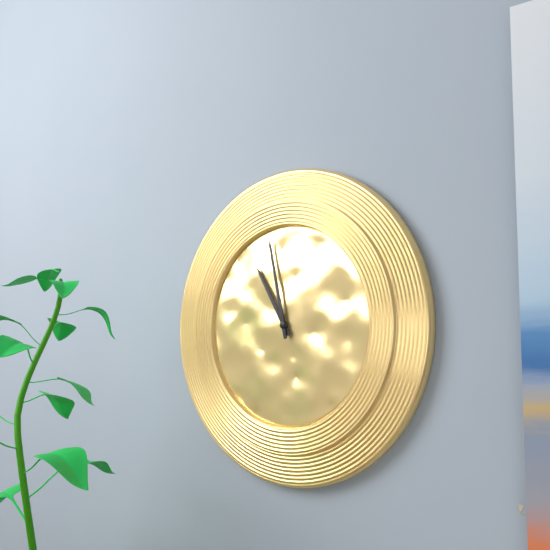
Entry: 10:58
